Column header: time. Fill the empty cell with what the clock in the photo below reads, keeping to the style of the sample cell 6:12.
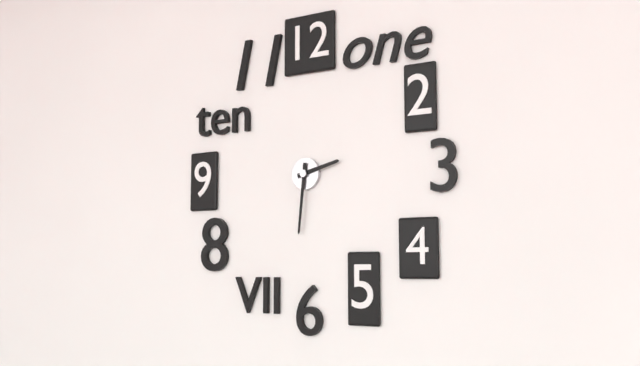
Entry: 2:31
